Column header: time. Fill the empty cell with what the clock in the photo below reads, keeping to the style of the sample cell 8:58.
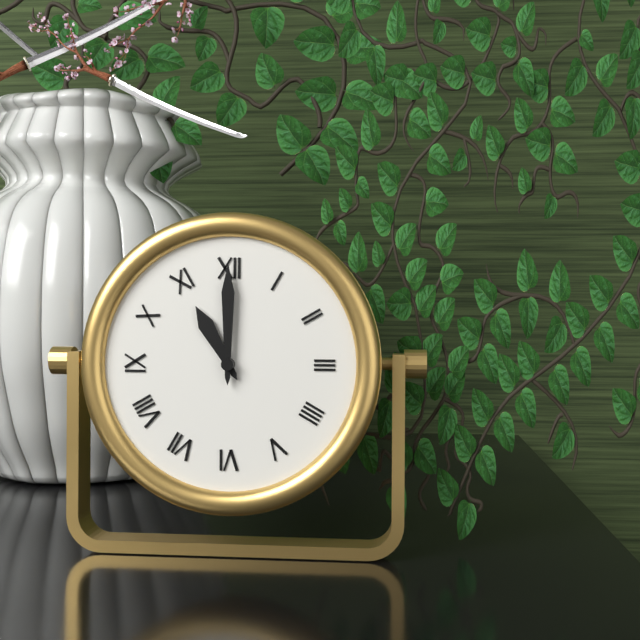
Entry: 11:00
